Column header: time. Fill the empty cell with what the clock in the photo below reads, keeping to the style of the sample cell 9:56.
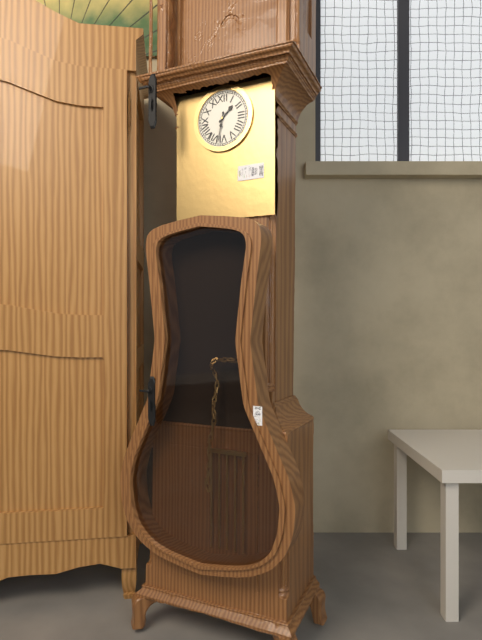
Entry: 1:32
